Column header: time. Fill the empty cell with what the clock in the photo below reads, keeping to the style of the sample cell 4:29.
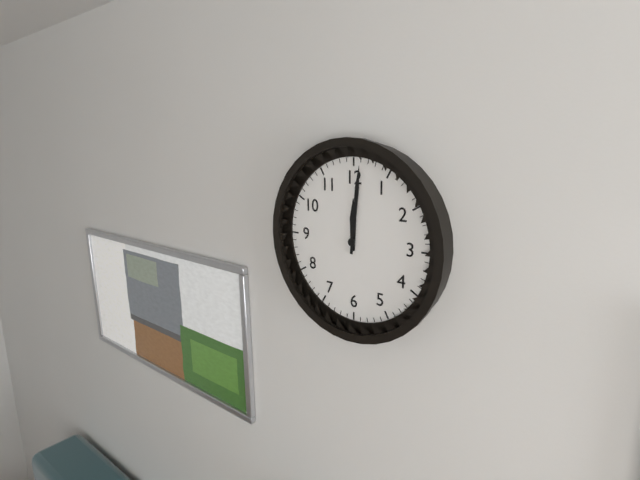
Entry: 12:01
